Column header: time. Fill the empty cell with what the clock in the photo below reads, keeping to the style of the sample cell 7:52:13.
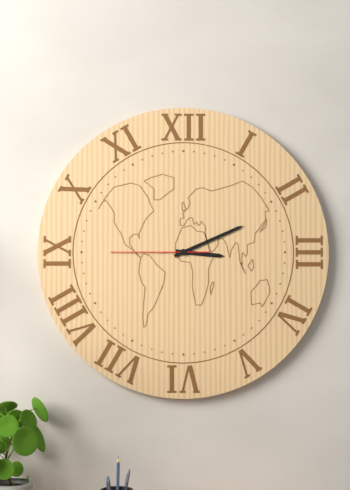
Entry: 3:11:45
